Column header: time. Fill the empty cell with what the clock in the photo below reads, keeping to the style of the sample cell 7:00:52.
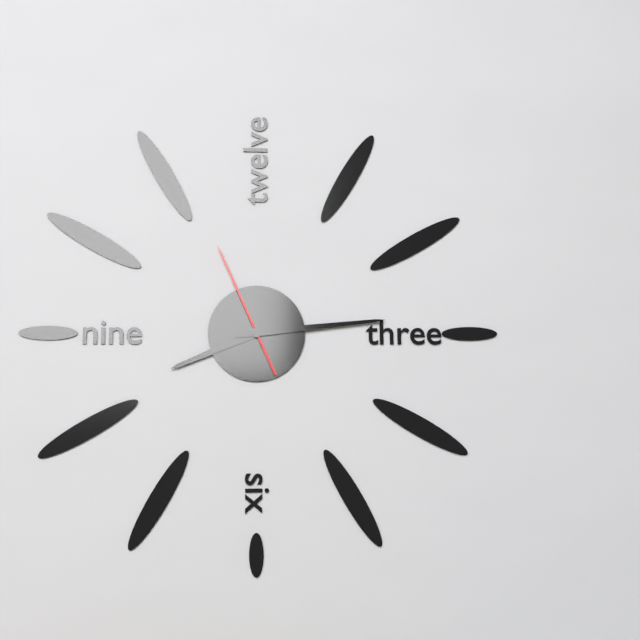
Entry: 8:14:56
